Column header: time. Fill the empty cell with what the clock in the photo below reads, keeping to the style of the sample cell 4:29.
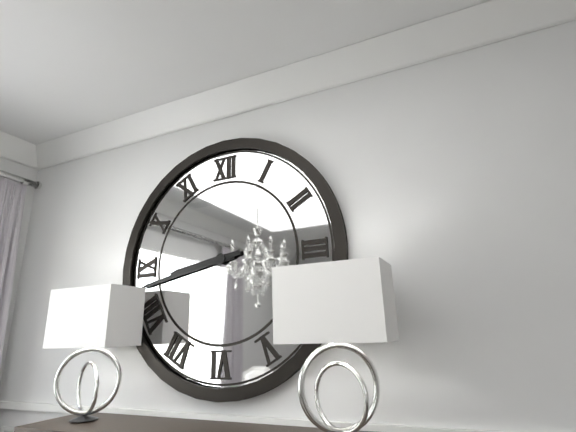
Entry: 8:43
